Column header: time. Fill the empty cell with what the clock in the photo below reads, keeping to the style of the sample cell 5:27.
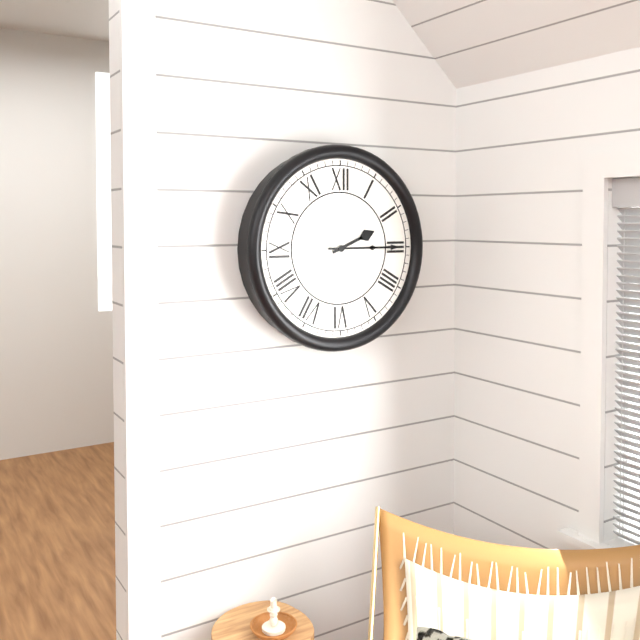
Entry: 2:15
